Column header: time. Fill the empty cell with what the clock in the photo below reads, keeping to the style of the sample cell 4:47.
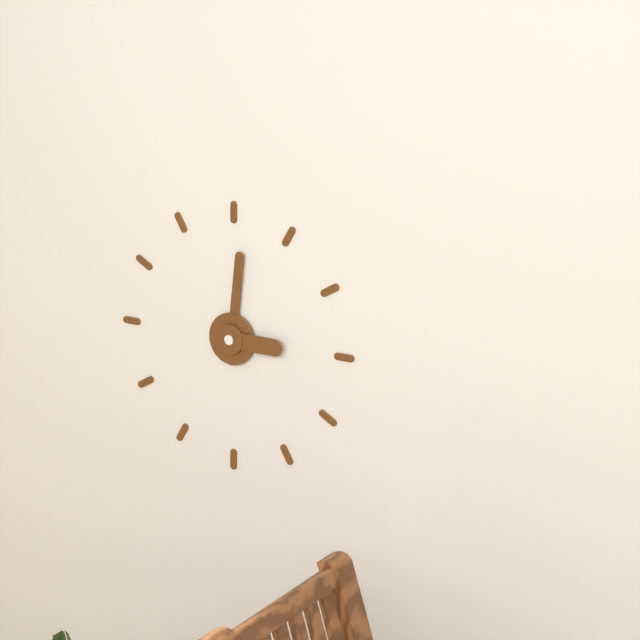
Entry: 3:01
